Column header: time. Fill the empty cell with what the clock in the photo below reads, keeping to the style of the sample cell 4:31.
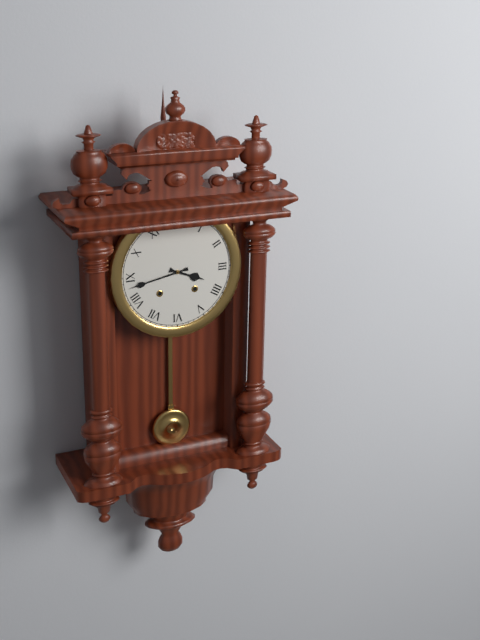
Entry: 3:43
